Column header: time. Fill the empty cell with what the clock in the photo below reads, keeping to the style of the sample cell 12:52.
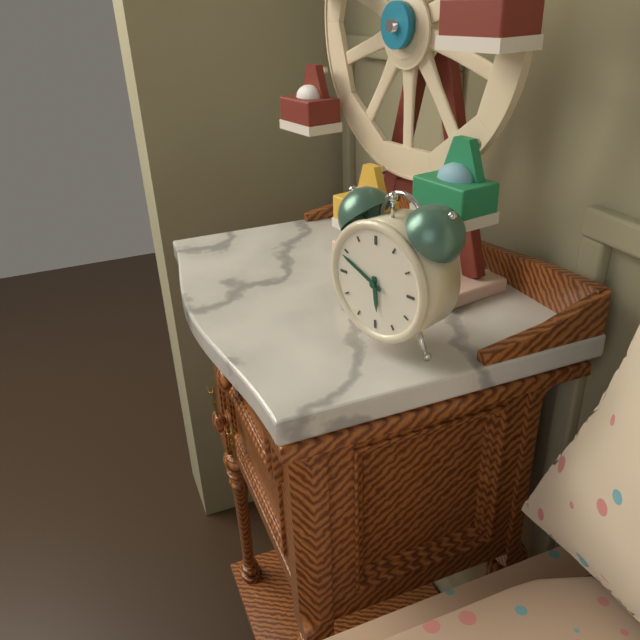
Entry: 5:49
